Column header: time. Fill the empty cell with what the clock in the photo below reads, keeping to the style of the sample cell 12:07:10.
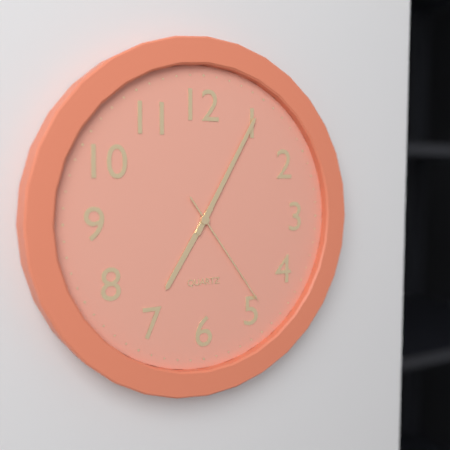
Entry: 7:05:24
